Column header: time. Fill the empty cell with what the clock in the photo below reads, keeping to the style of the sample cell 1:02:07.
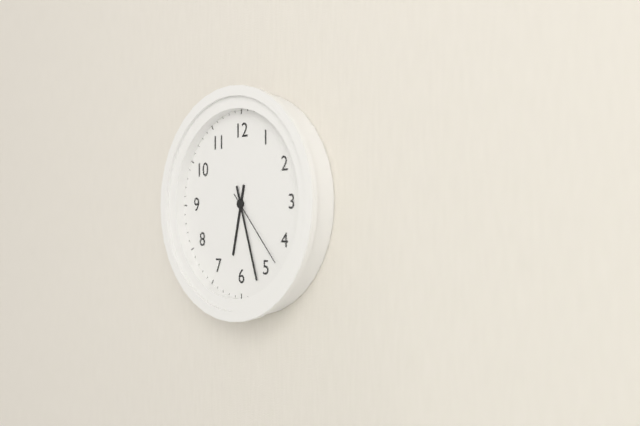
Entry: 6:27:23
